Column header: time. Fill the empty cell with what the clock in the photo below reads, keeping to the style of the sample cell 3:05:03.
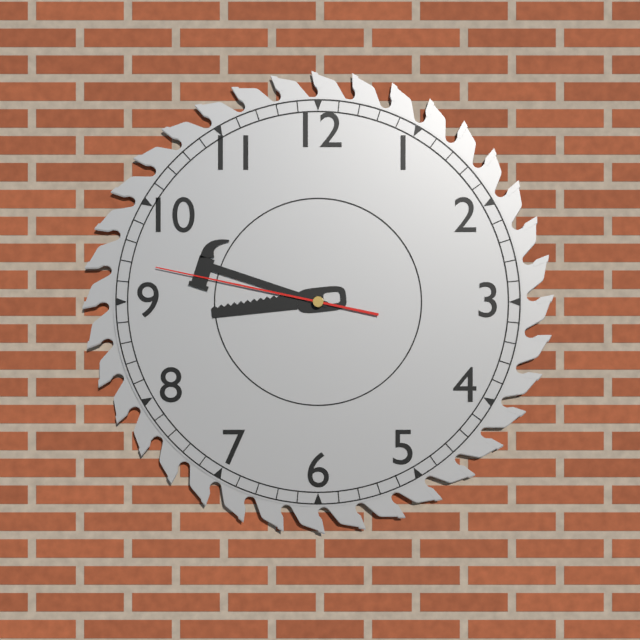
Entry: 8:48:47
